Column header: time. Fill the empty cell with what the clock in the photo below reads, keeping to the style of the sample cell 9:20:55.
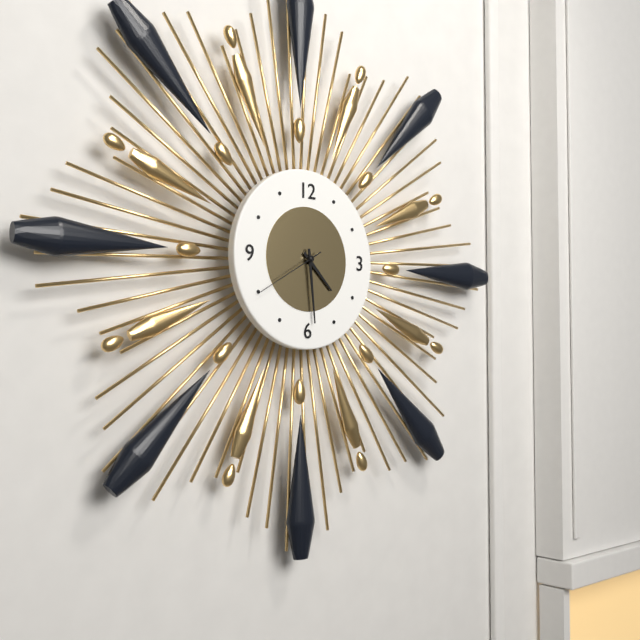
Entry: 4:29:40
